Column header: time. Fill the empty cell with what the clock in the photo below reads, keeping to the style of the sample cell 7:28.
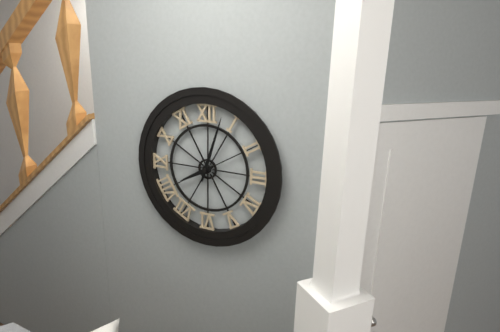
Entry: 8:03
